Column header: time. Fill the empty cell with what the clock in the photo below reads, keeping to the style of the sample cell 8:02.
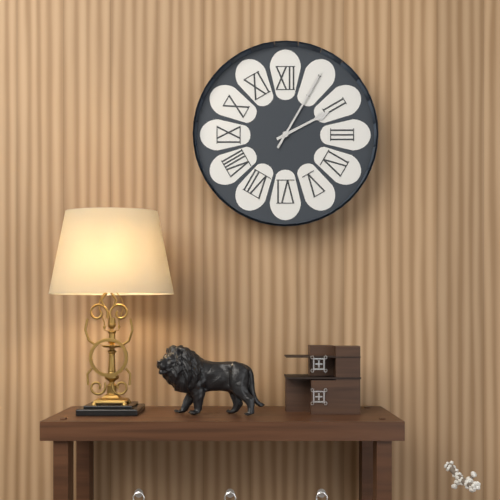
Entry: 2:05
